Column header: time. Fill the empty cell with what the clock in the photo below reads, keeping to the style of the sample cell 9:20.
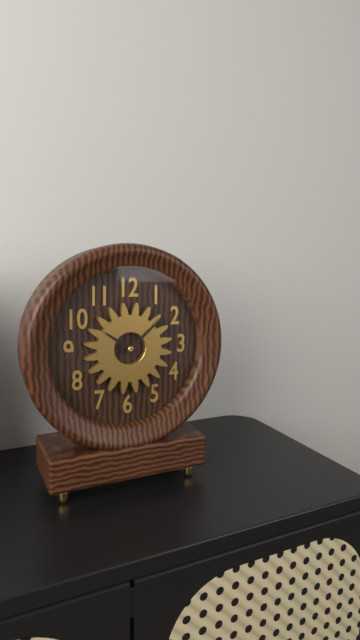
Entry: 10:08
